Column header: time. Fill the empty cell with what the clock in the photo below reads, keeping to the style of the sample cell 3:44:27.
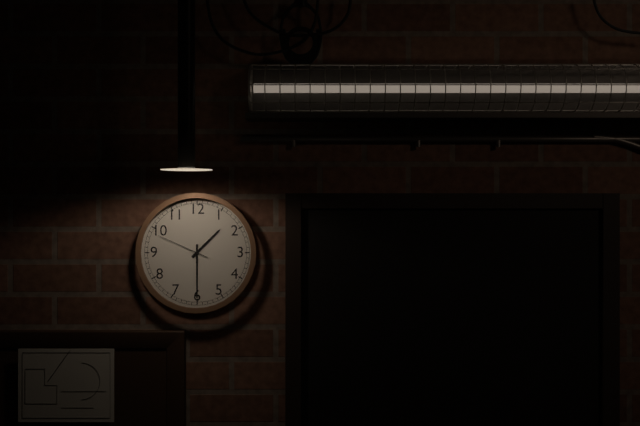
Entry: 1:30:49
